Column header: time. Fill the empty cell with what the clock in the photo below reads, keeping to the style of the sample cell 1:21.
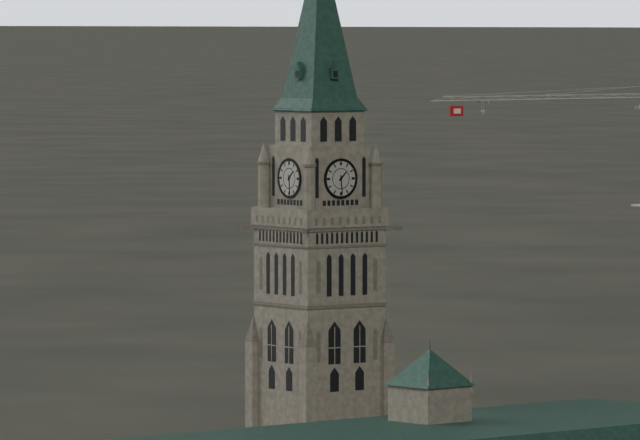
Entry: 1:29
